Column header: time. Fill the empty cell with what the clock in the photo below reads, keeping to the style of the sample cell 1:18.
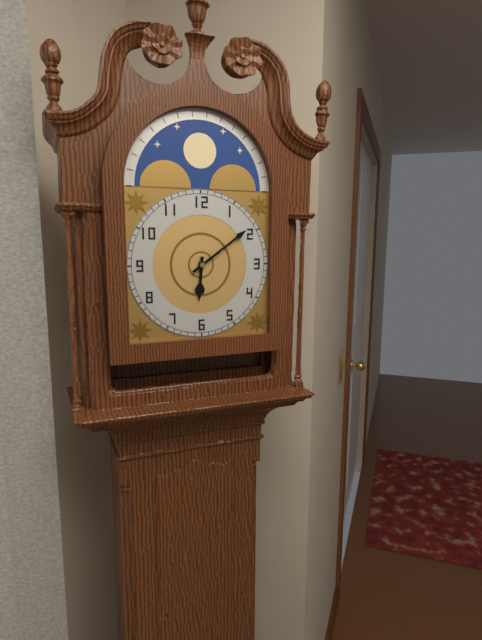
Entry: 6:09
